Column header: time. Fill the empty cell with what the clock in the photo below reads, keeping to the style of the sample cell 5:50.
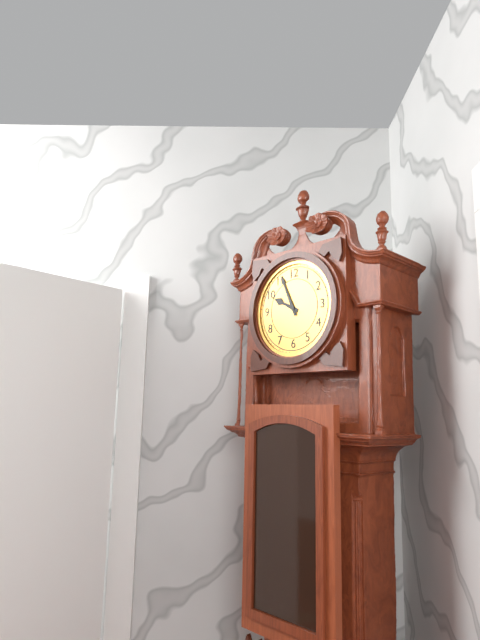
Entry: 9:56
